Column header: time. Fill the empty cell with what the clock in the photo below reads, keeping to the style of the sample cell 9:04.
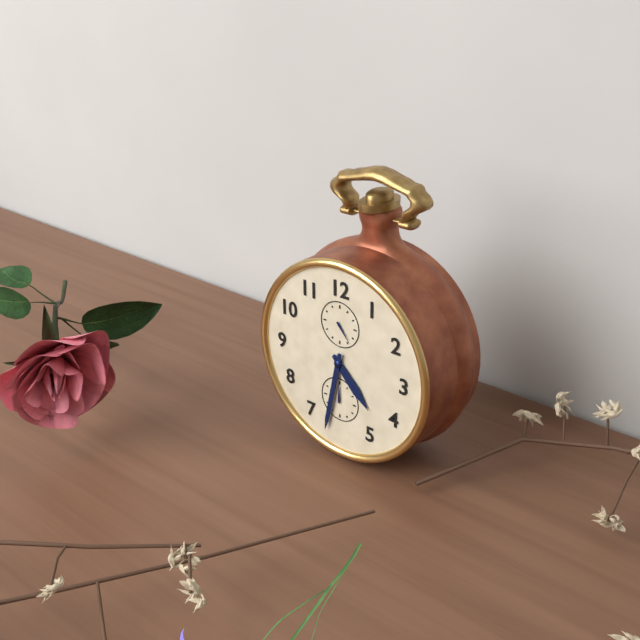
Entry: 4:32
